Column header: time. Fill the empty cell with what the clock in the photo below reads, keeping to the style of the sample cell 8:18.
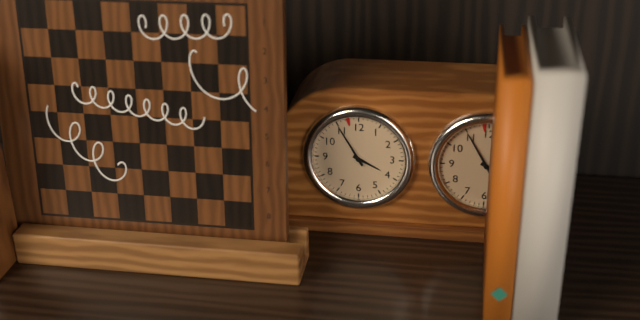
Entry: 3:55
